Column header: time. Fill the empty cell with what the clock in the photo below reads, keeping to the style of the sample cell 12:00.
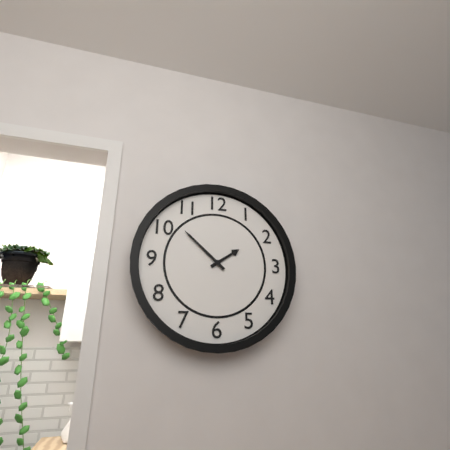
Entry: 1:52
